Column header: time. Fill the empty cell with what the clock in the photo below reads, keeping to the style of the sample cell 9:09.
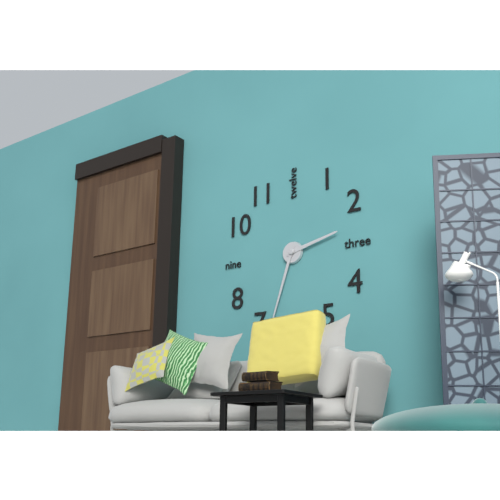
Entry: 2:33
